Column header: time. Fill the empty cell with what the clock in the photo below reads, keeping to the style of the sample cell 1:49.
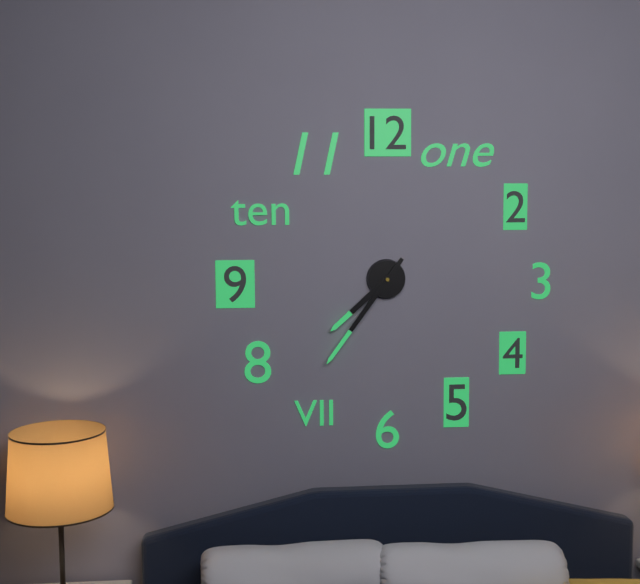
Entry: 7:36
